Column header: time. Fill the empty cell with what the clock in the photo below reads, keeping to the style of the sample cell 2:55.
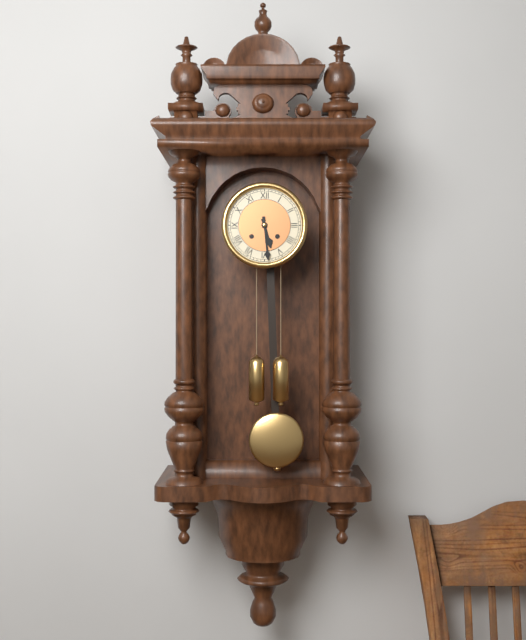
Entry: 5:29
